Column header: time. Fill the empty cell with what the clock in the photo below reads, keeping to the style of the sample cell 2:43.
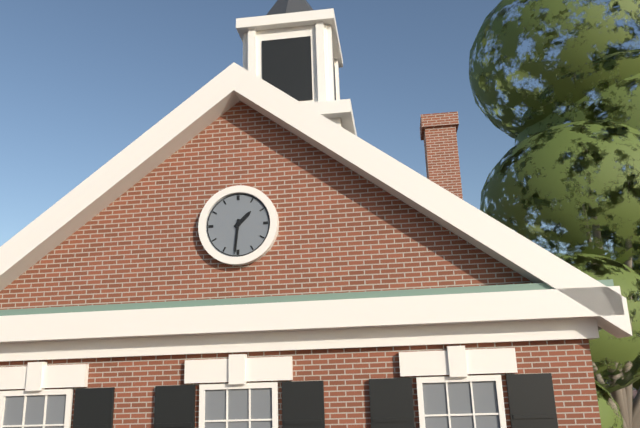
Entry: 1:31
